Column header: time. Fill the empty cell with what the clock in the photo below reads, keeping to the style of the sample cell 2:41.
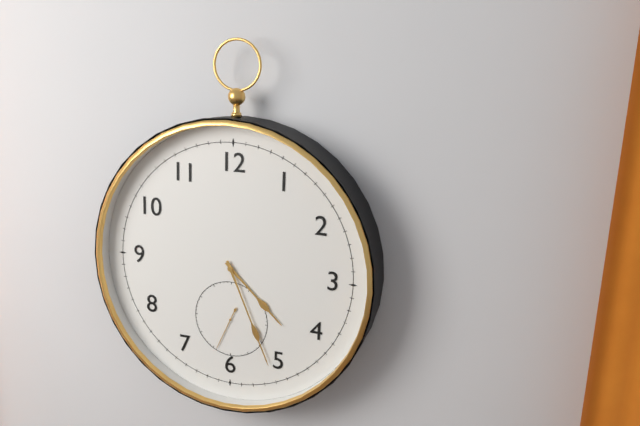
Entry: 4:26
